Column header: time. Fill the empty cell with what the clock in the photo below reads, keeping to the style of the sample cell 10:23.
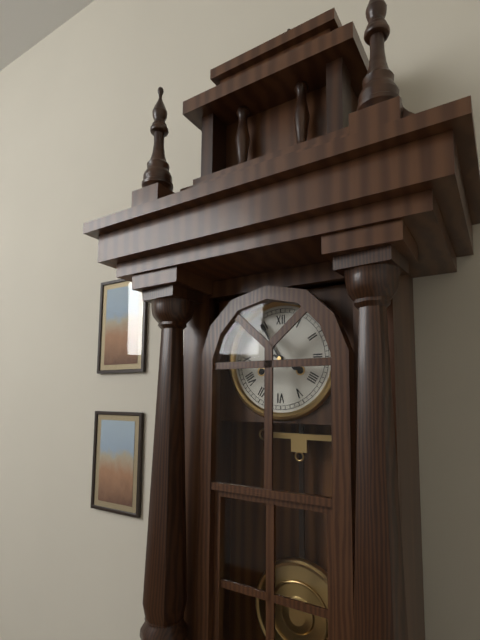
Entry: 3:55
